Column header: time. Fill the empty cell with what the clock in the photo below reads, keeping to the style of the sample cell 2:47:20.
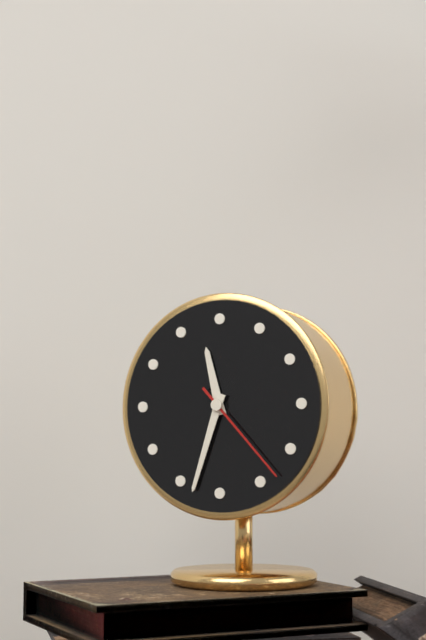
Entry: 11:33:23
